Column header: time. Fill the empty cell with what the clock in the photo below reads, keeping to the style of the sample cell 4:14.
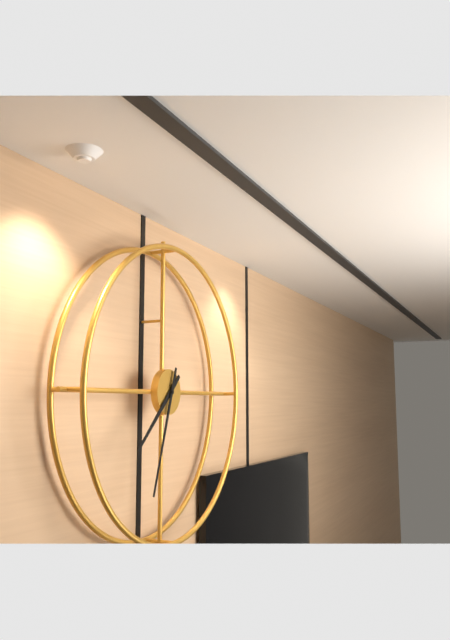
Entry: 7:33
